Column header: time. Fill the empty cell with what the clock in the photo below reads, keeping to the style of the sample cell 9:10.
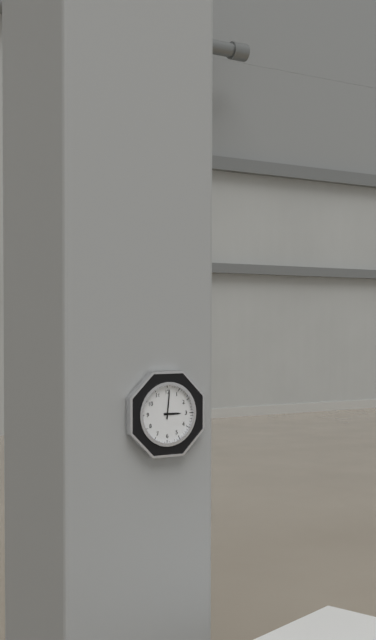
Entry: 3:01
